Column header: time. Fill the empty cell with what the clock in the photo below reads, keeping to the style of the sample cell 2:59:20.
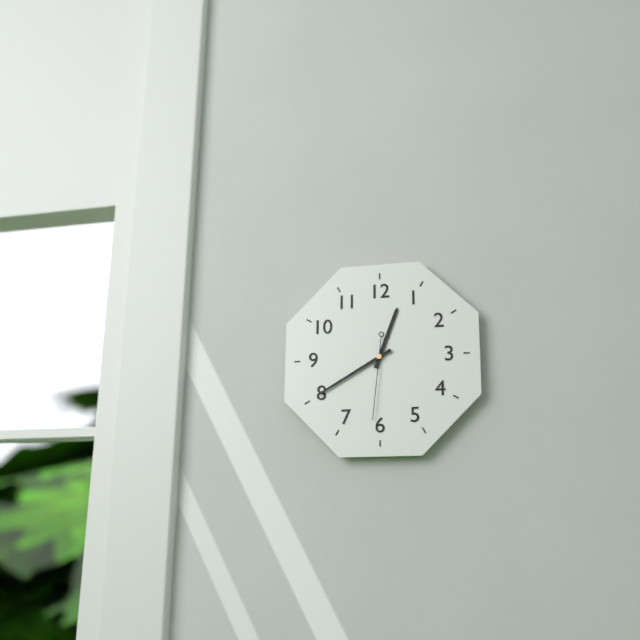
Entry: 12:40:31
